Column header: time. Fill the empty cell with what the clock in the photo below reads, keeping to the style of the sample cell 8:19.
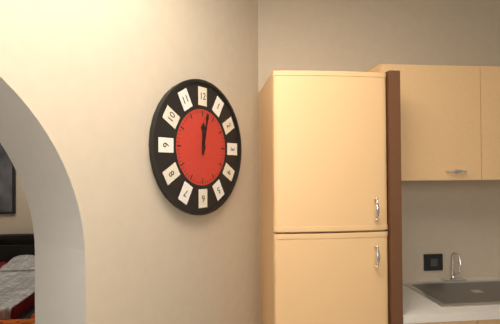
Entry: 12:02
